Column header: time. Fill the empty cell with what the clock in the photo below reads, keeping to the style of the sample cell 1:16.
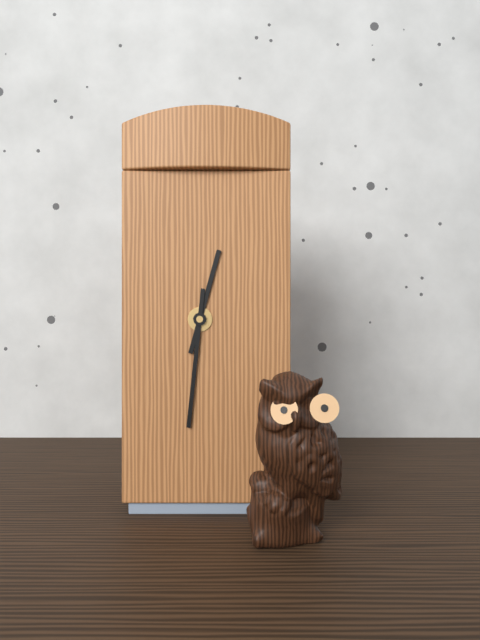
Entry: 12:31
